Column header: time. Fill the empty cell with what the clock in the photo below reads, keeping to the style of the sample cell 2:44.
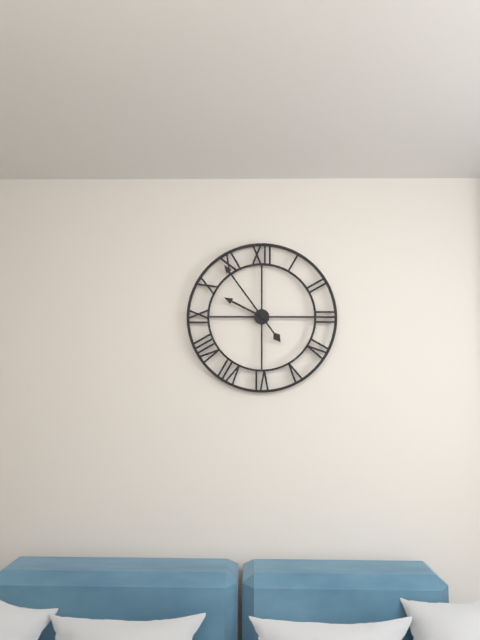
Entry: 9:54
